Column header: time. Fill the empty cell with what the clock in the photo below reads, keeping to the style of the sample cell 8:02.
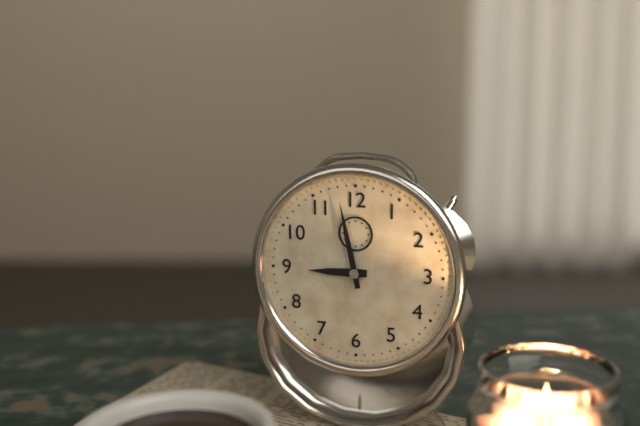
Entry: 8:58
